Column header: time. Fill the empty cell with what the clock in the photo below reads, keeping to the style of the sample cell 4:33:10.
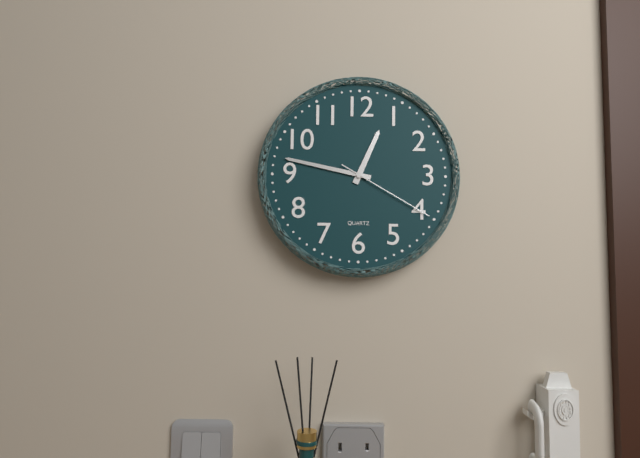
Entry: 12:47:20
